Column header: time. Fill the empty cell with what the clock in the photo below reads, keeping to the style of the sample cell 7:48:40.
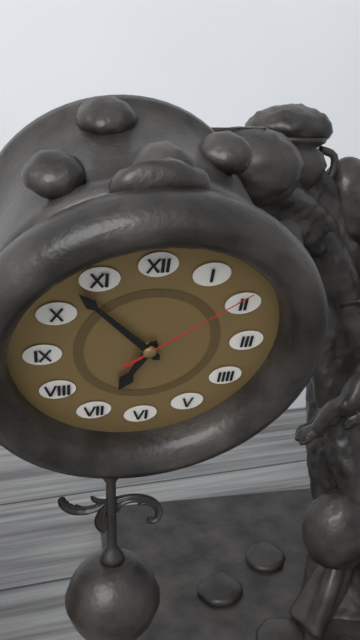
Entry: 6:53:09
